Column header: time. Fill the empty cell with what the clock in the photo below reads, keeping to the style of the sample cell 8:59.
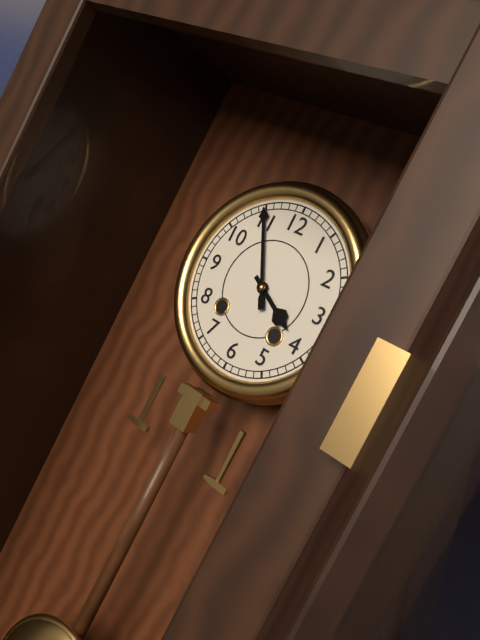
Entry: 3:55
